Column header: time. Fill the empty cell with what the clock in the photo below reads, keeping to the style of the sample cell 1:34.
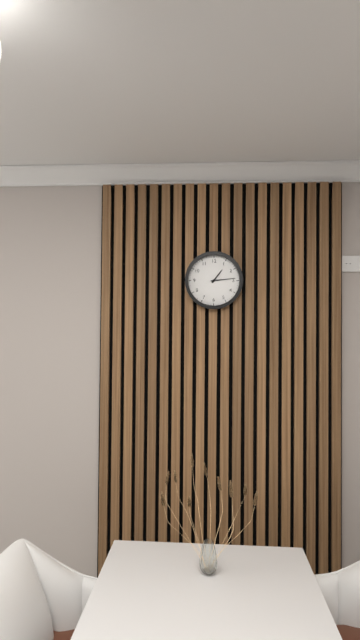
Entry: 1:14
